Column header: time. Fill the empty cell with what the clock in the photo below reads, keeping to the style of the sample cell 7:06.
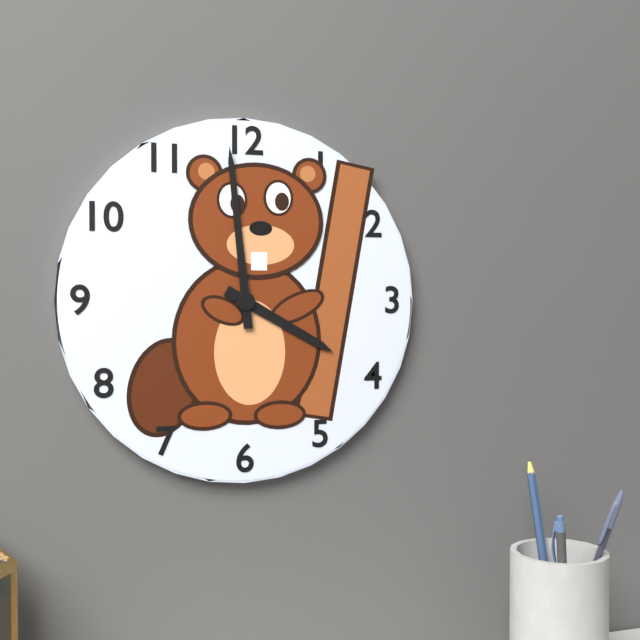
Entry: 3:59
